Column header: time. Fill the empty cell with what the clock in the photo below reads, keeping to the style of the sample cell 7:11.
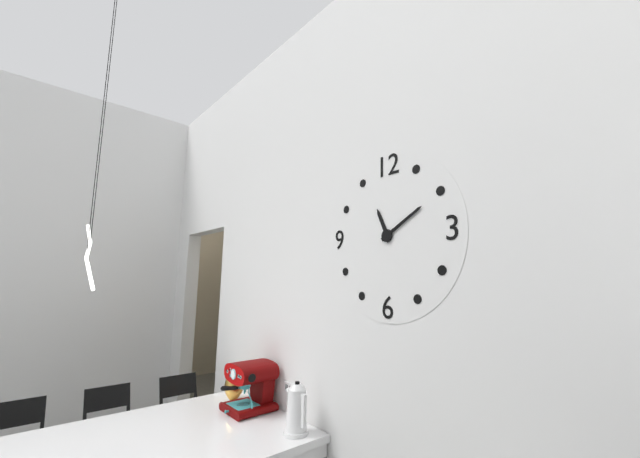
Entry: 11:10
